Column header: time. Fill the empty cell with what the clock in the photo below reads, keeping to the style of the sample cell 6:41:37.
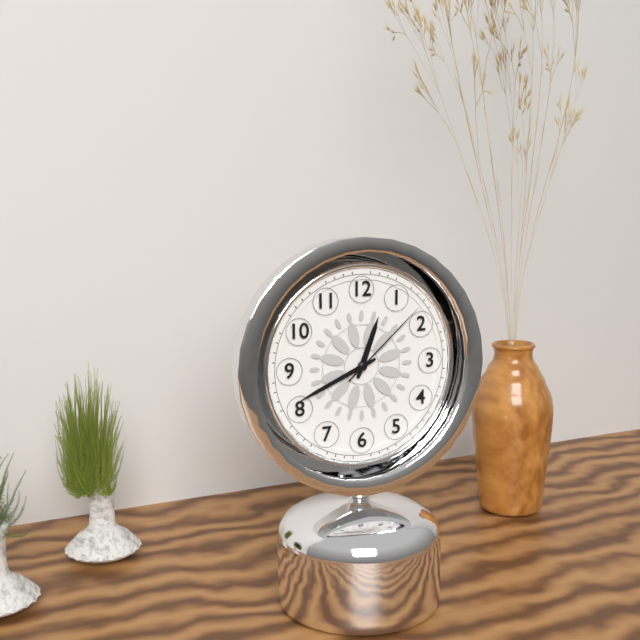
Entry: 12:41:08
